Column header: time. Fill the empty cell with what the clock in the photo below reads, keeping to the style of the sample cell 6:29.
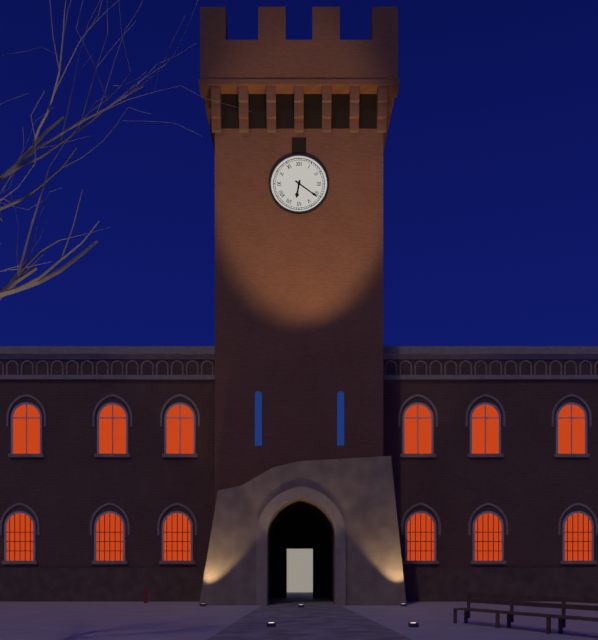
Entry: 6:21
